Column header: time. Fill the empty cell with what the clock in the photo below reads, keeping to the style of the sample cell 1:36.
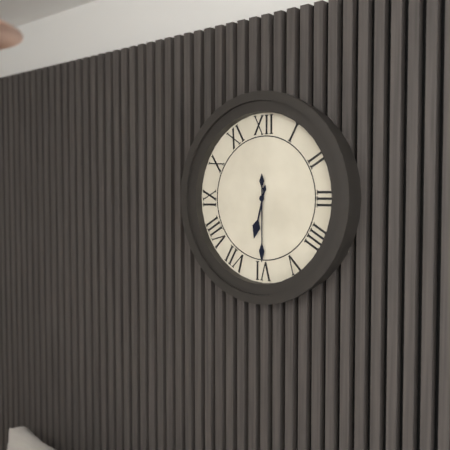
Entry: 6:30
